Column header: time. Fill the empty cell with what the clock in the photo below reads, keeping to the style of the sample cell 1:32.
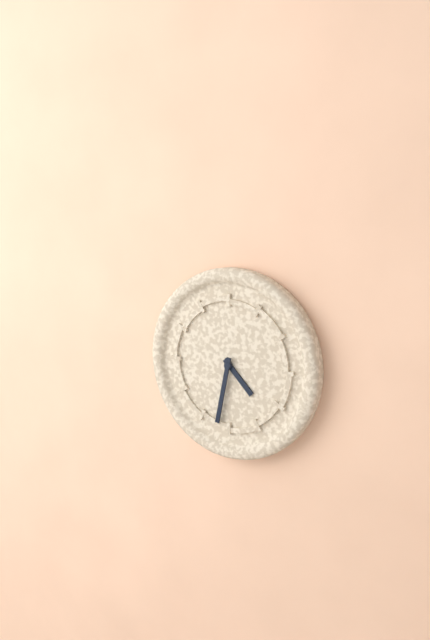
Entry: 4:32
